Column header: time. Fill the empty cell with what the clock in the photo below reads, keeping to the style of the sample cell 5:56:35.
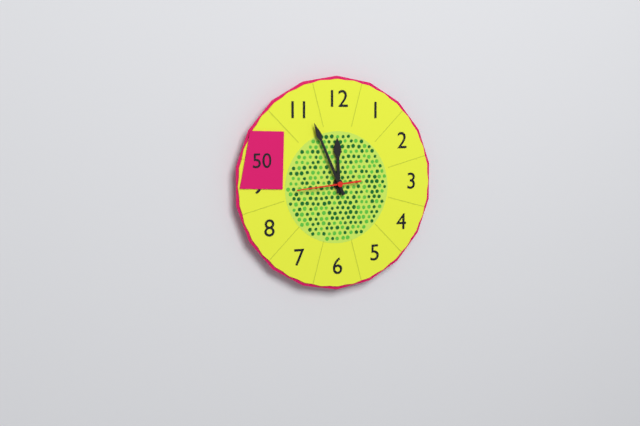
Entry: 11:56:44
